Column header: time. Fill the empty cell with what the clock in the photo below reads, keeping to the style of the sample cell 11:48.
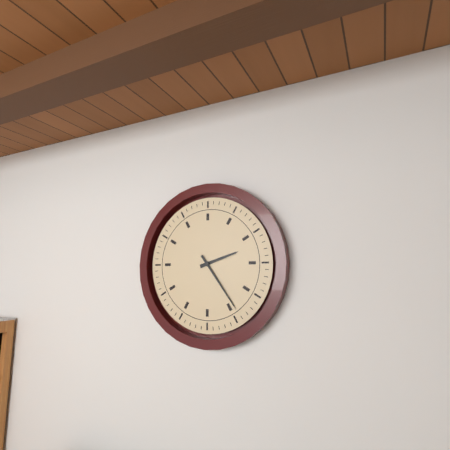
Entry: 2:24
